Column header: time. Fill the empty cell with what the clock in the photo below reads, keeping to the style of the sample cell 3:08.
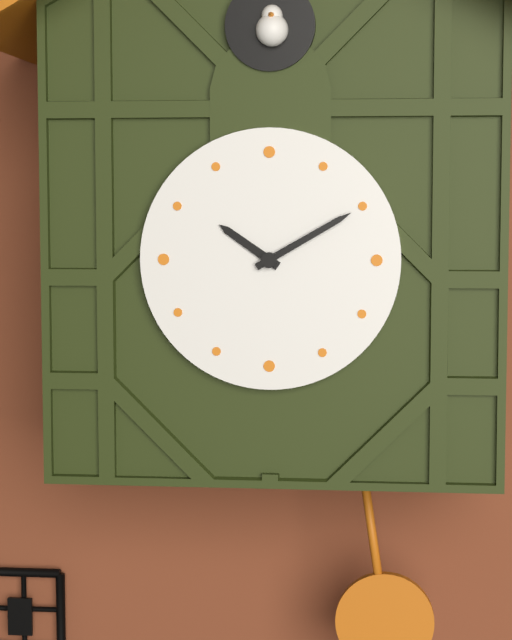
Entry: 10:10
